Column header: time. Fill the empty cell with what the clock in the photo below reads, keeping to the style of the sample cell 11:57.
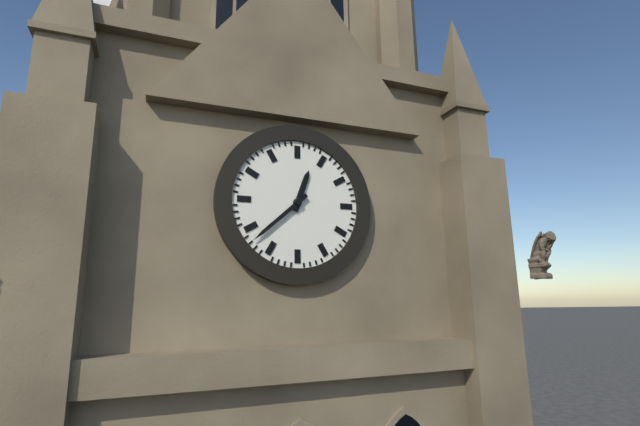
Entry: 12:38
